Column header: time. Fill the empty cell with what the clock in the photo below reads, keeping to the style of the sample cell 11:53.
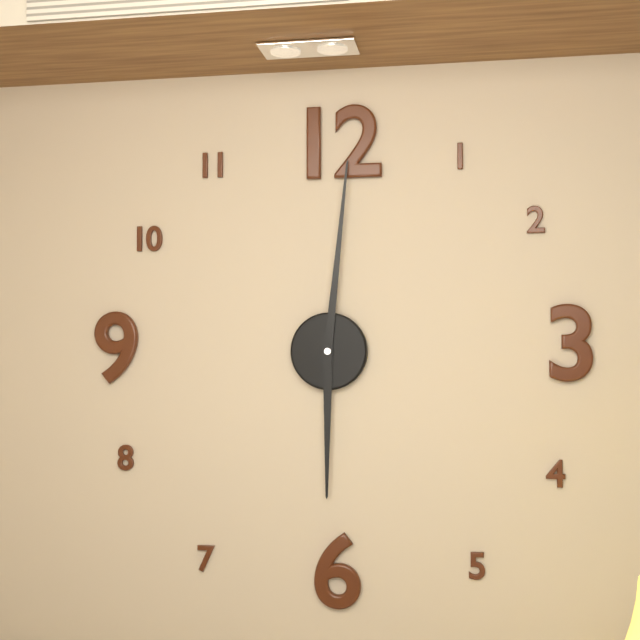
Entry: 6:01
